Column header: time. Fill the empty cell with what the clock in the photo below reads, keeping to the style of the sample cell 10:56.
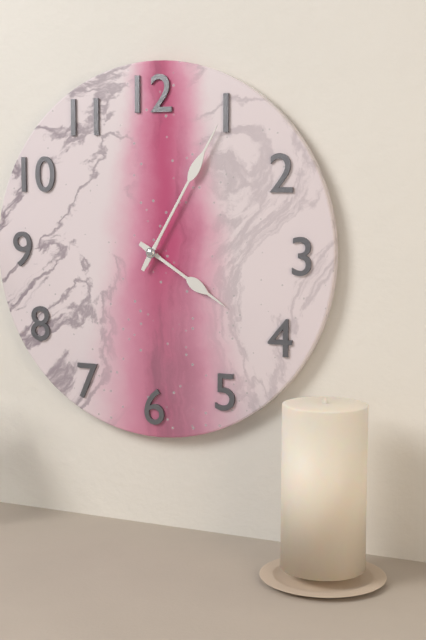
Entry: 4:05
